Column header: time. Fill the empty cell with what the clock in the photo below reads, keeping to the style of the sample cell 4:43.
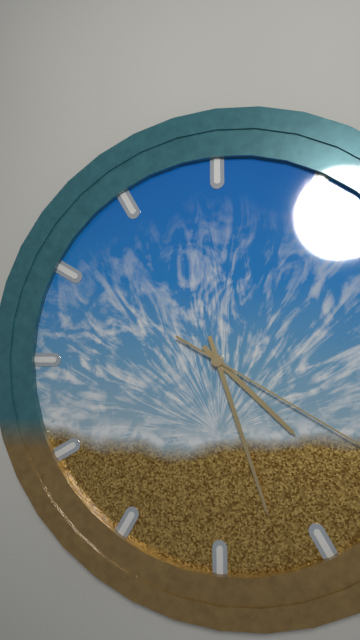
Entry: 4:27
